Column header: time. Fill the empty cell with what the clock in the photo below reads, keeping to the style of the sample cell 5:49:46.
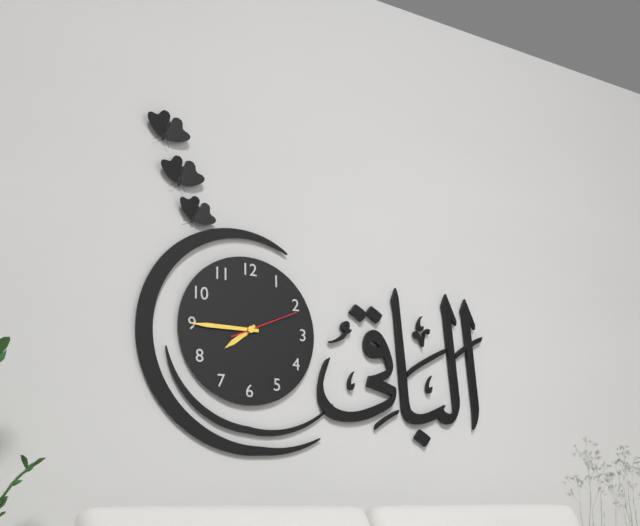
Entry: 7:45:11
